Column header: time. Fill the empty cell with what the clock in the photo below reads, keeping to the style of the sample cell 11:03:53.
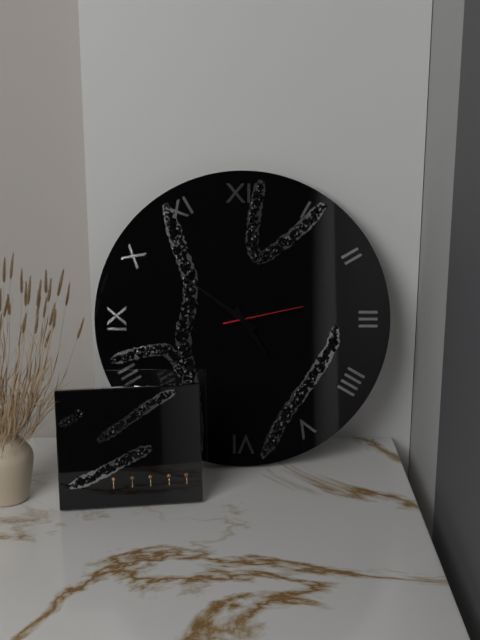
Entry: 4:51:13
